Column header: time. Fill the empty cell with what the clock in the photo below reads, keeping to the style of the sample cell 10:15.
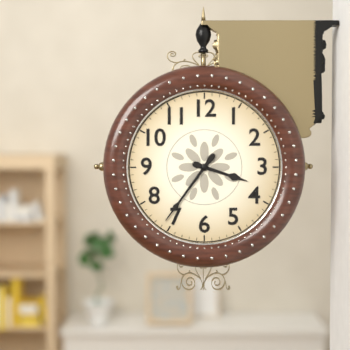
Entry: 3:36
